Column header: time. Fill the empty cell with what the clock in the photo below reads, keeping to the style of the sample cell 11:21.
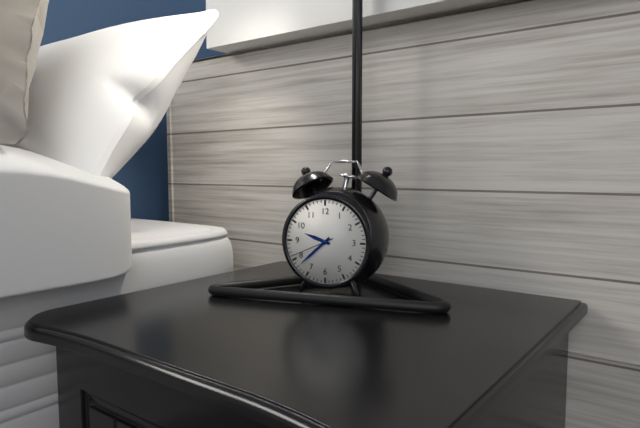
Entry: 9:38
